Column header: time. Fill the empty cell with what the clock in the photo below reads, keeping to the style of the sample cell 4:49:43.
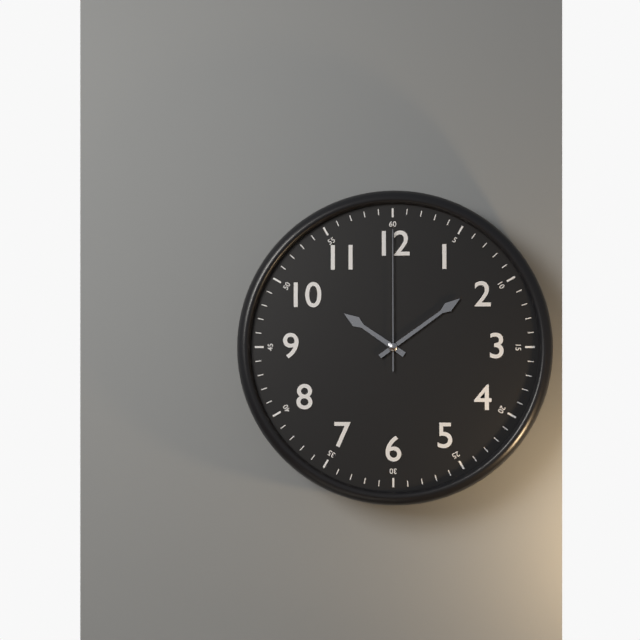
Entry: 10:09:00
